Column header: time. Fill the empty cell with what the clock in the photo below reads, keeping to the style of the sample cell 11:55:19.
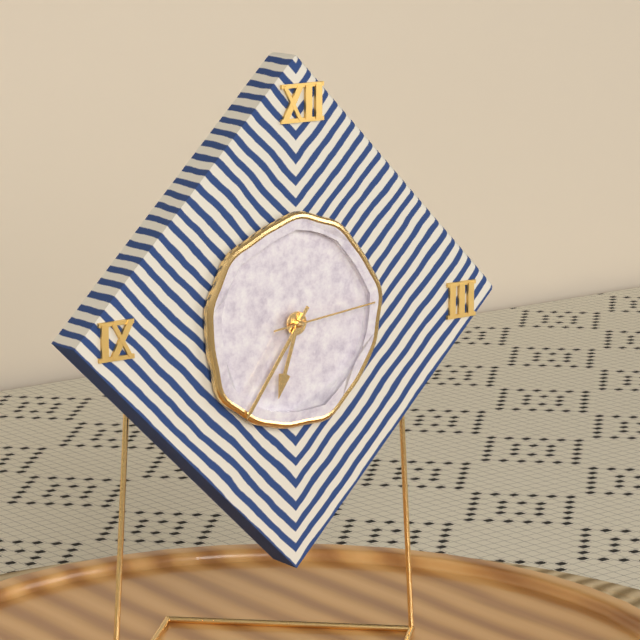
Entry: 6:36:14
